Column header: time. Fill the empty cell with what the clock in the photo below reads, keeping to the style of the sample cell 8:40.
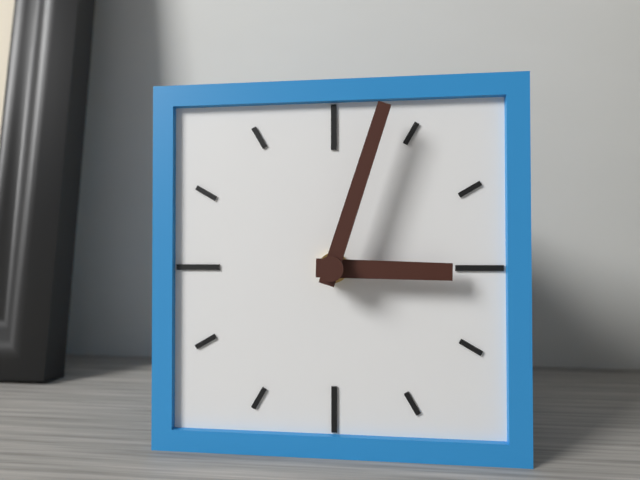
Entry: 3:03
